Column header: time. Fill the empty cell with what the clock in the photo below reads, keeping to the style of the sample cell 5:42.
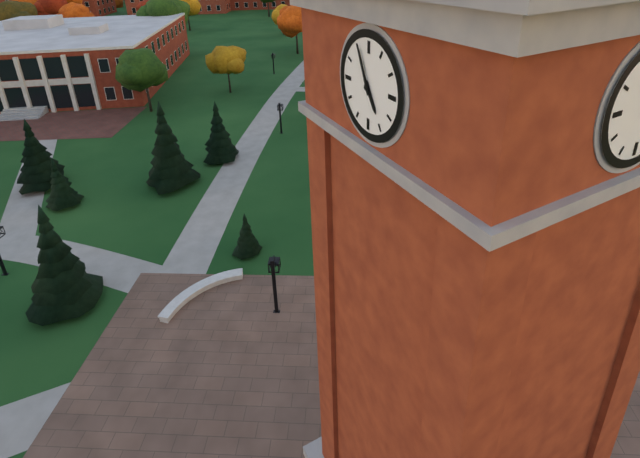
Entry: 4:56
